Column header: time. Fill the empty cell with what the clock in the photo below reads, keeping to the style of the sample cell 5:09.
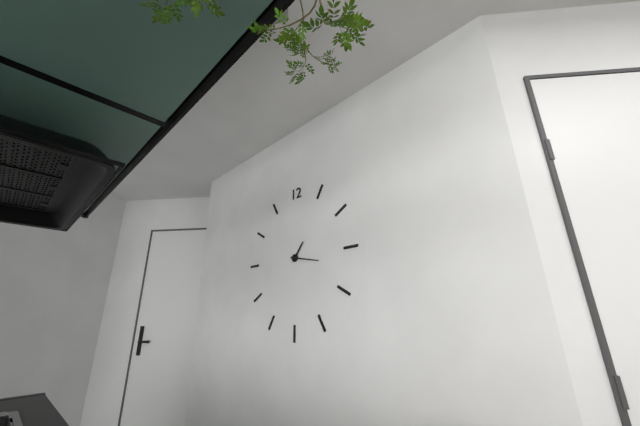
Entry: 1:17
